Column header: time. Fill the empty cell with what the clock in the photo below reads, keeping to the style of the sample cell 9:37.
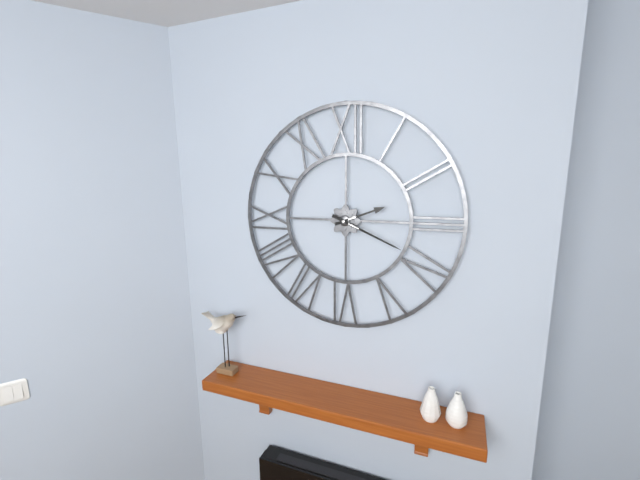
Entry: 2:19
